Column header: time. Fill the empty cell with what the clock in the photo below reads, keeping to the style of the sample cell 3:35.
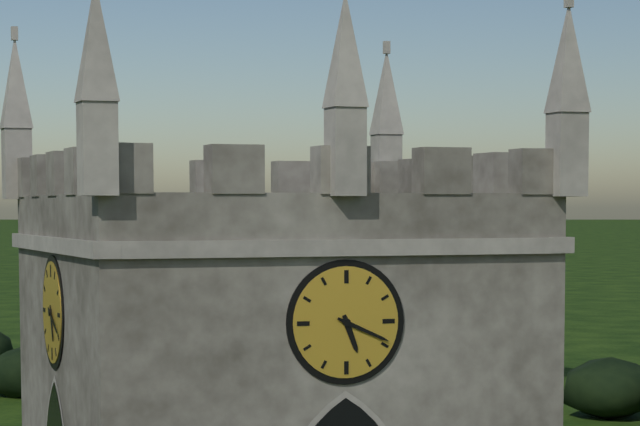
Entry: 5:19
